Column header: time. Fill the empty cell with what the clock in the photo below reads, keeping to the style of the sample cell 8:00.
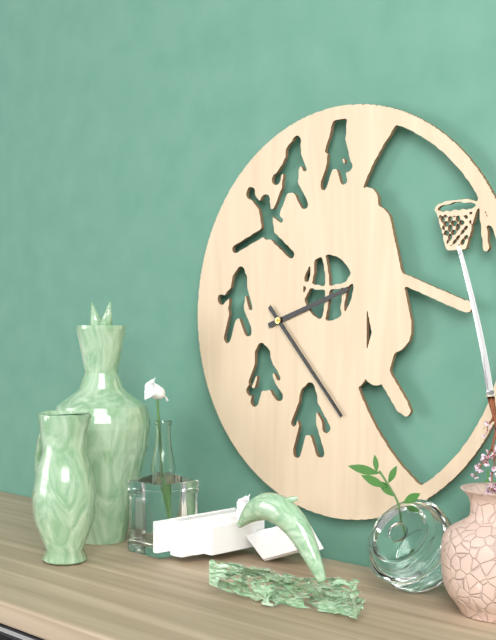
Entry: 2:23
